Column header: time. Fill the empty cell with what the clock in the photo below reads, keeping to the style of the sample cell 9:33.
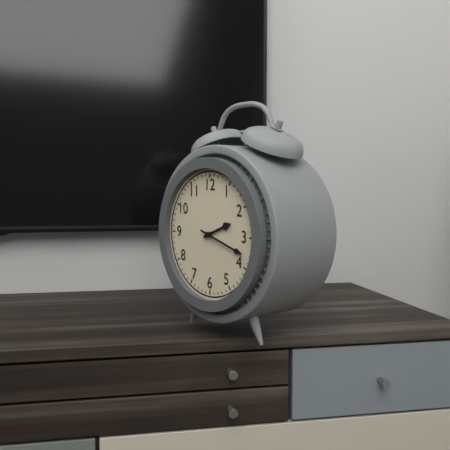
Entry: 2:18
